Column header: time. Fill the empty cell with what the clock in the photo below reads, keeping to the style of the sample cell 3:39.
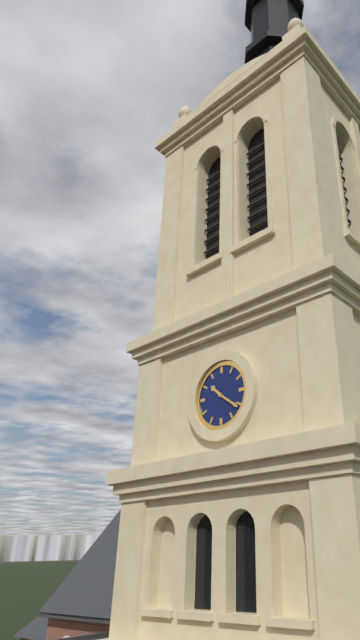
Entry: 10:21
